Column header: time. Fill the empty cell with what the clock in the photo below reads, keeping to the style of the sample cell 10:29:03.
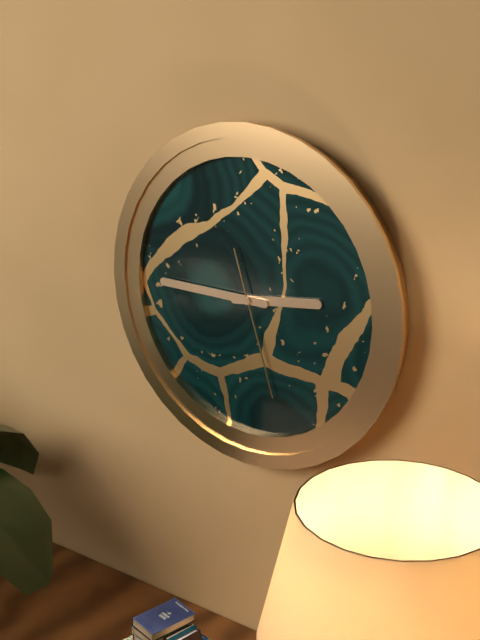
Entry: 2:45:27
